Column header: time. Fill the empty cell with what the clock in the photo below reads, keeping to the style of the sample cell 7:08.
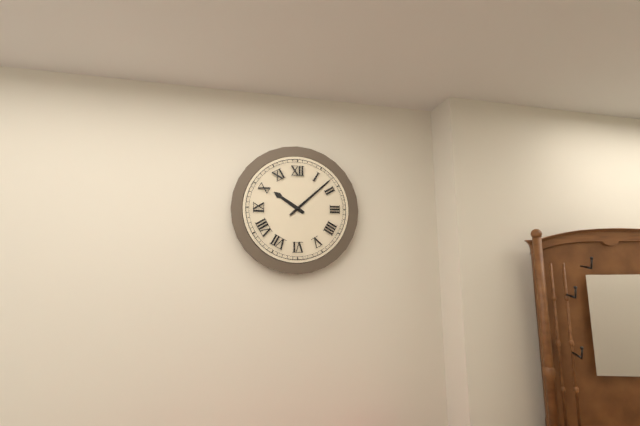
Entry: 10:08
